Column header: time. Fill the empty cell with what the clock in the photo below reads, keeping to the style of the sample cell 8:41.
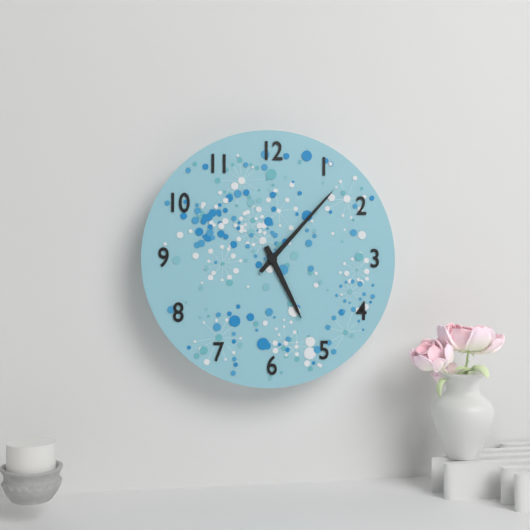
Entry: 5:07
